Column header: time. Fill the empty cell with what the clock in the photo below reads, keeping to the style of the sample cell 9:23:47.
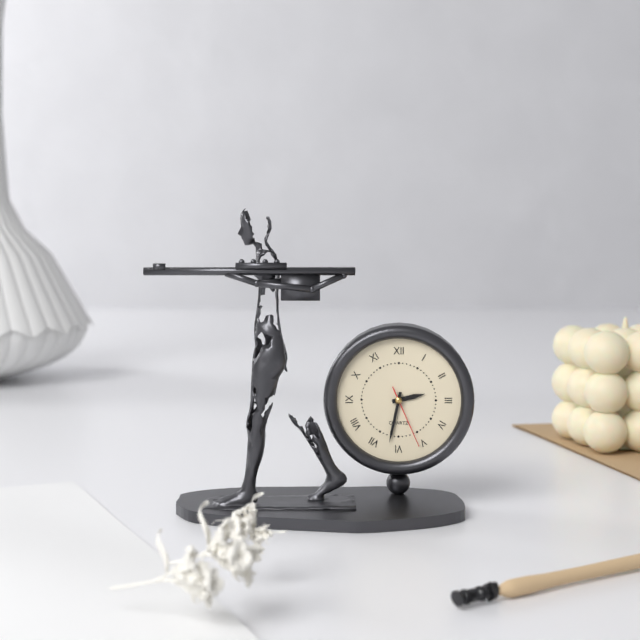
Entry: 2:32:26
